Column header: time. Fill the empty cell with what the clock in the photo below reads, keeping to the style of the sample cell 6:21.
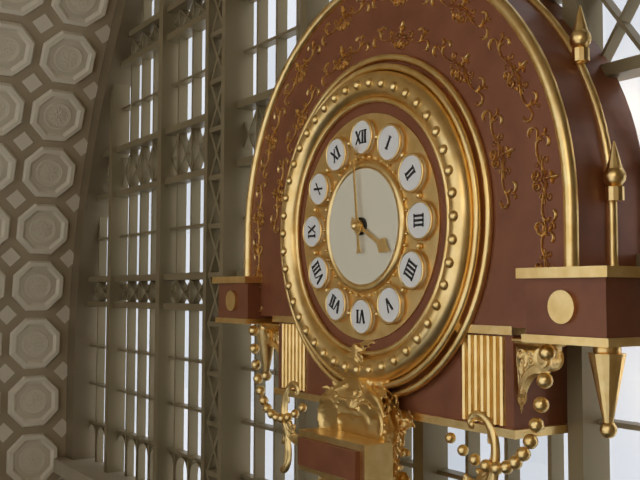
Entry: 3:59
